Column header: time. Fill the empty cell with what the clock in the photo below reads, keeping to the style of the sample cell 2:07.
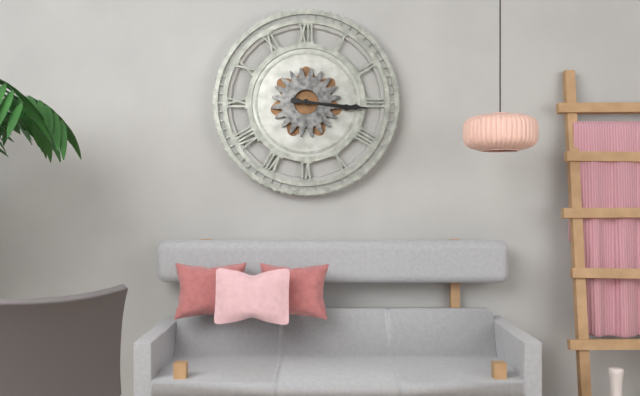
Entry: 3:16
